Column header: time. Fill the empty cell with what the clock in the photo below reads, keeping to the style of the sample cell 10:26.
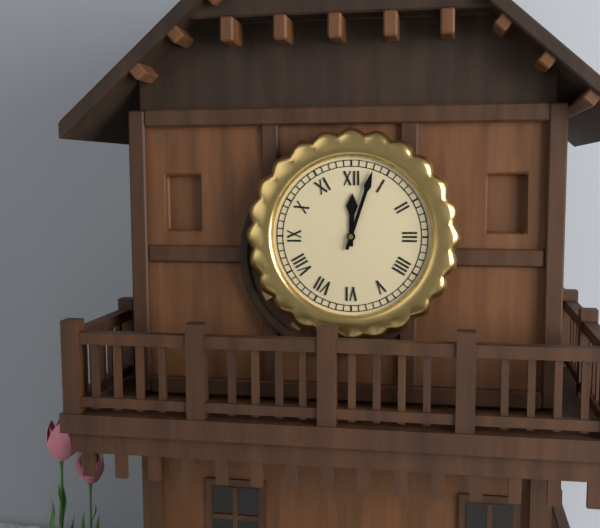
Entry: 12:03
